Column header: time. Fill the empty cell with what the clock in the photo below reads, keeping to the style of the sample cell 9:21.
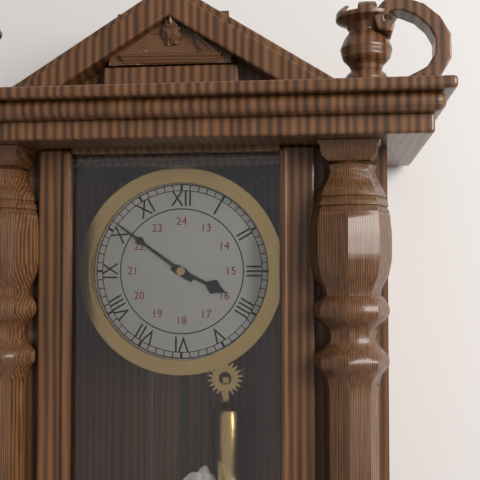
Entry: 3:51
